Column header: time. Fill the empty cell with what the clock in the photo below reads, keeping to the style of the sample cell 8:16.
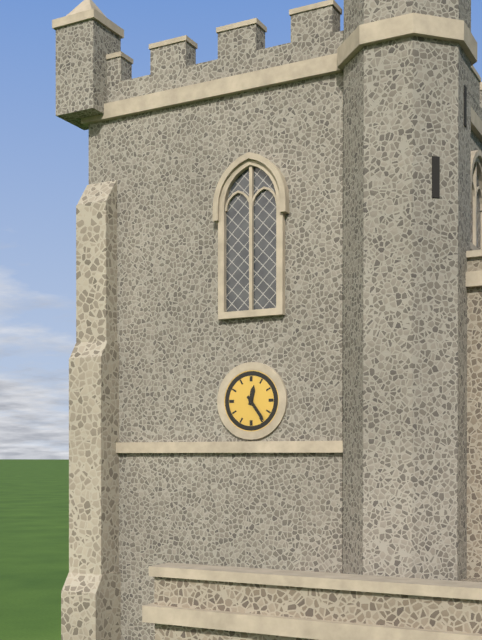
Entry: 12:24
